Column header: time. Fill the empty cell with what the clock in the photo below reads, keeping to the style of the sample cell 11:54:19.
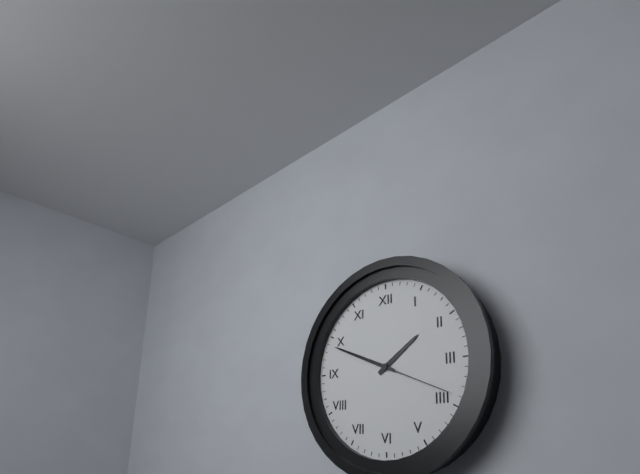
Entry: 1:49:19
